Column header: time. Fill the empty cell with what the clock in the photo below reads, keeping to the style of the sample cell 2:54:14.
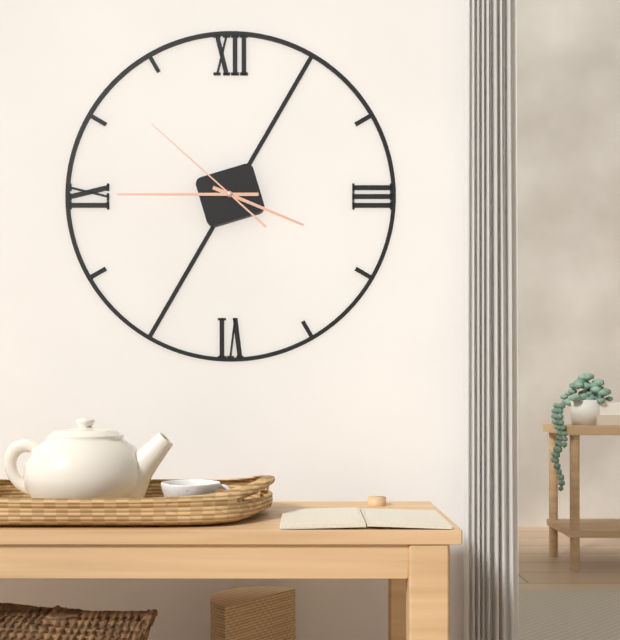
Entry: 3:45:52
